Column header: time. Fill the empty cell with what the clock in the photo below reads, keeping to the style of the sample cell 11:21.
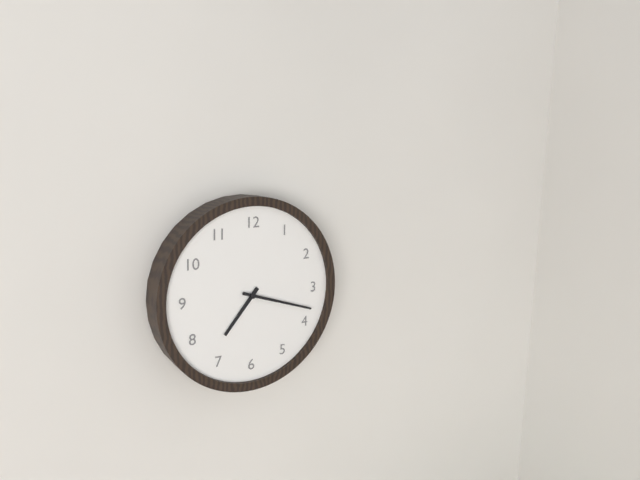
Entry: 7:18
